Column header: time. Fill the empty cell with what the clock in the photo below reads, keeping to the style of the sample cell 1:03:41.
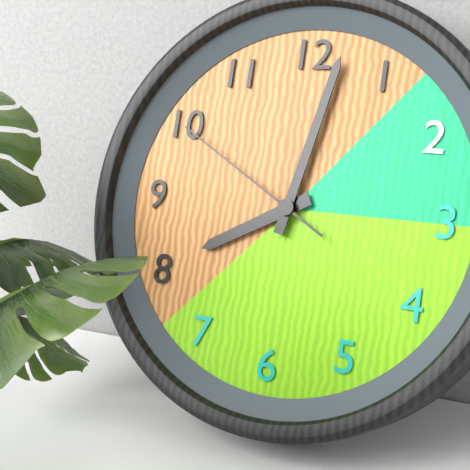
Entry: 8:02:50
